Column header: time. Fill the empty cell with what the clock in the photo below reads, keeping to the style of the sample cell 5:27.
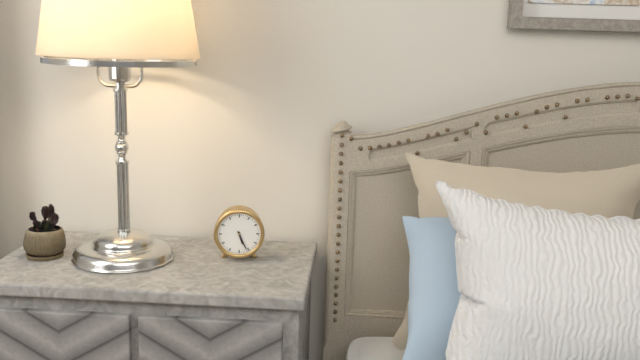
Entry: 5:26
